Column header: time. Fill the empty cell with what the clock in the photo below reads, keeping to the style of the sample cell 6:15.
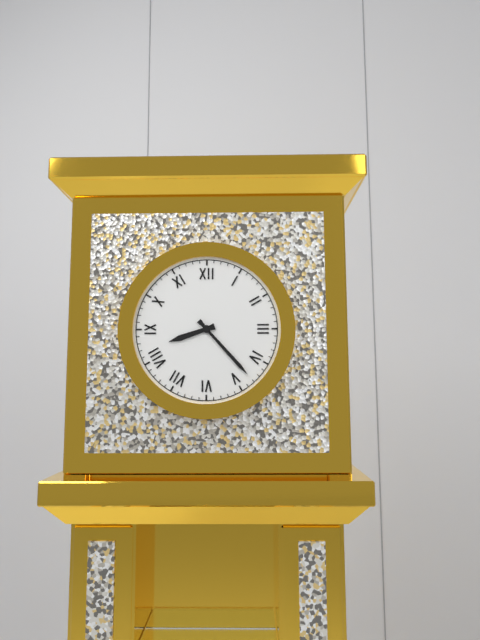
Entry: 8:23
